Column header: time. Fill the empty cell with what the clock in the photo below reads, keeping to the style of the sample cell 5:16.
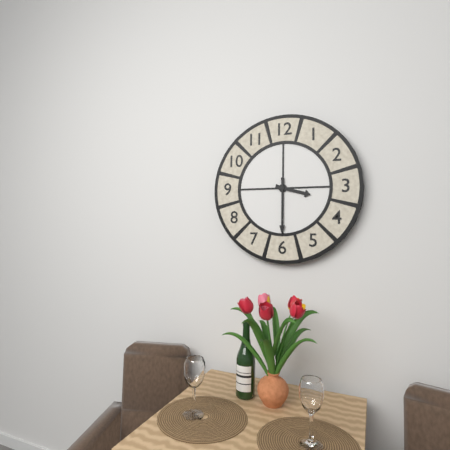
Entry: 3:30
